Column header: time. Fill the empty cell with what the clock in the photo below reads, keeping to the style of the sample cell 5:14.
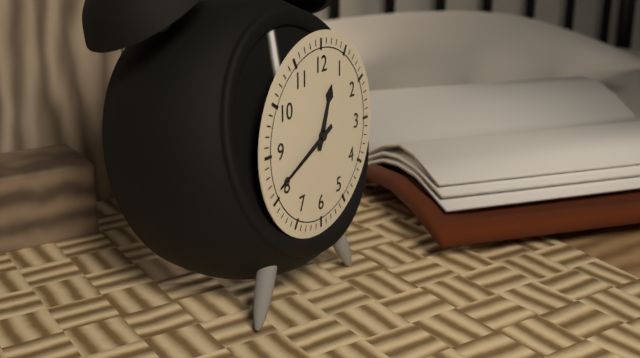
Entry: 12:41
